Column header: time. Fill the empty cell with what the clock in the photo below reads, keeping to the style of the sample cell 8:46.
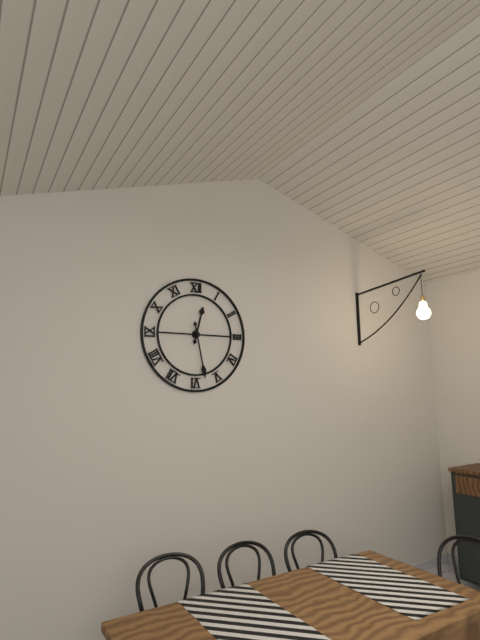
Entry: 12:28
